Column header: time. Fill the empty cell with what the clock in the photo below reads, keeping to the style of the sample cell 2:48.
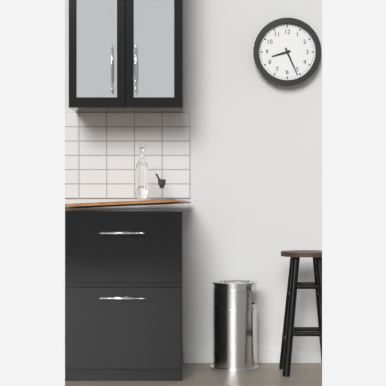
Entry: 8:26
